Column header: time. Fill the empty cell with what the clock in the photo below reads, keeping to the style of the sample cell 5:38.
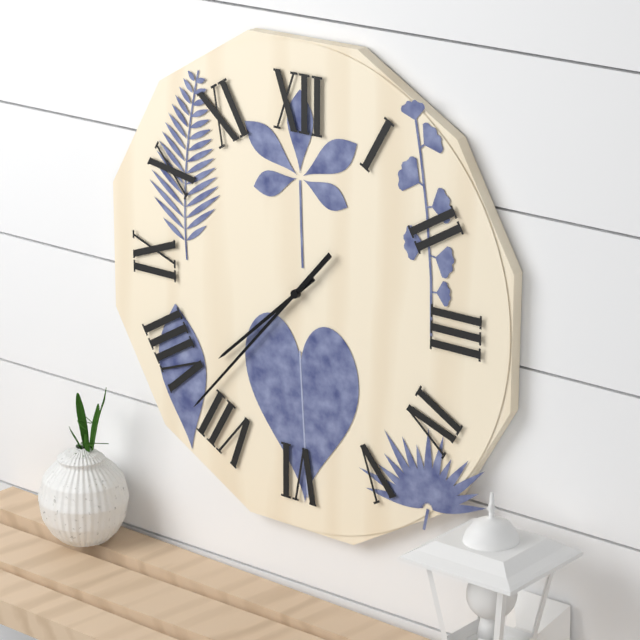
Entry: 7:37
